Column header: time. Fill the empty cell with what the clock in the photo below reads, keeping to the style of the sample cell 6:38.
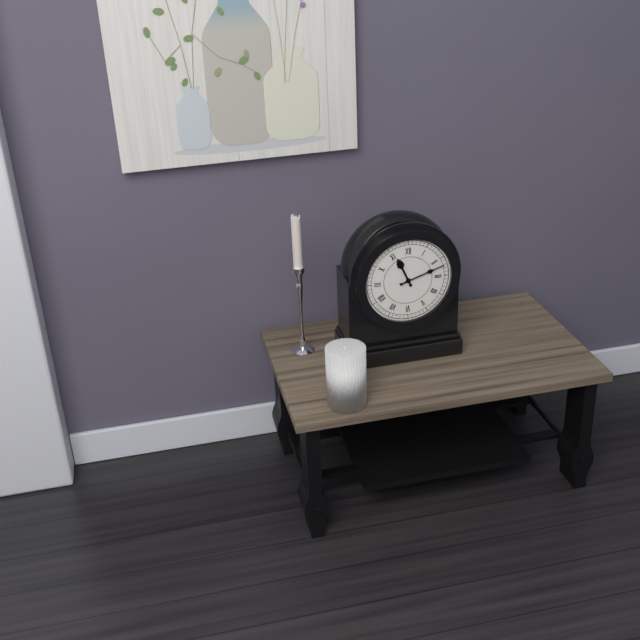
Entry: 11:12
